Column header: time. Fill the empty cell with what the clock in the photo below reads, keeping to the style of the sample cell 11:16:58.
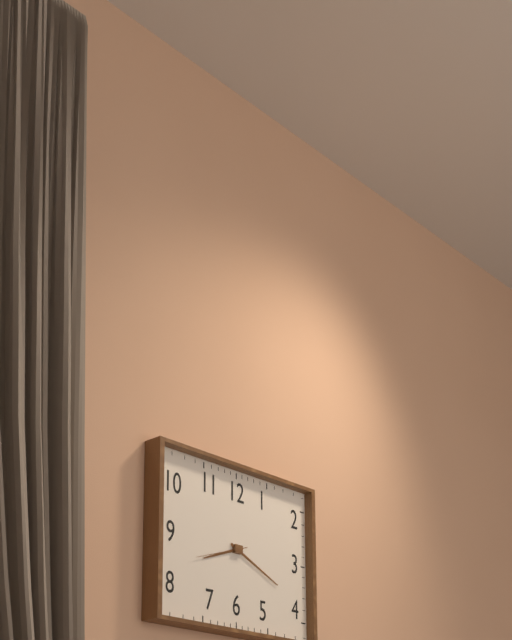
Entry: 8:19:42
